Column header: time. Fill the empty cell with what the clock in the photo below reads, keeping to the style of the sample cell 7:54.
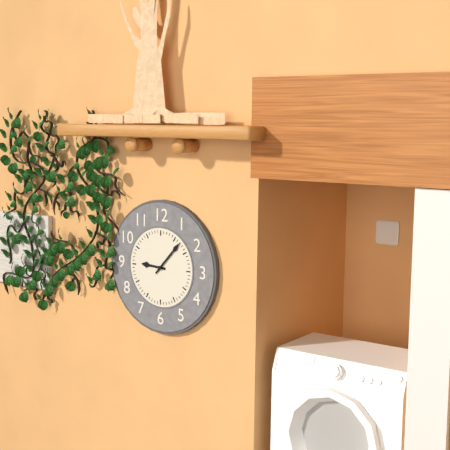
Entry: 9:07
